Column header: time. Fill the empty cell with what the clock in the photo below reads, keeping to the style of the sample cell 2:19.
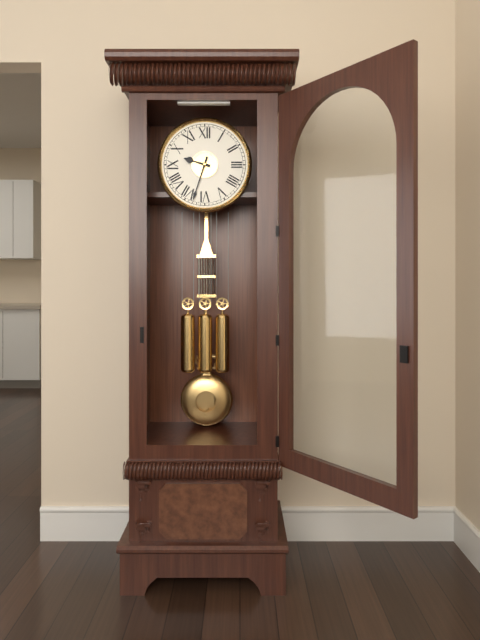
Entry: 9:33
